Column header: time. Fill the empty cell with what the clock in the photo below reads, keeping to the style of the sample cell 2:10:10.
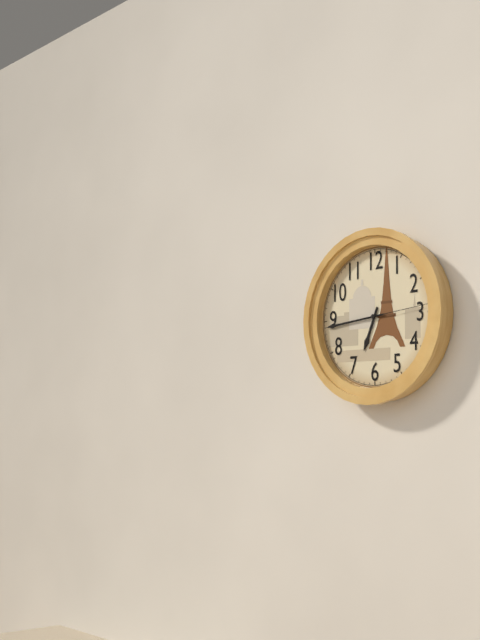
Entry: 6:44:14
